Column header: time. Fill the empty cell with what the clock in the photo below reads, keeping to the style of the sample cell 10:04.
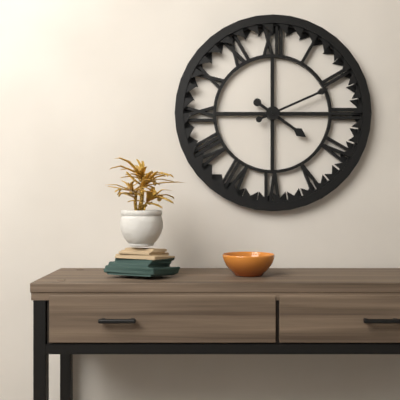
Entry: 4:11
